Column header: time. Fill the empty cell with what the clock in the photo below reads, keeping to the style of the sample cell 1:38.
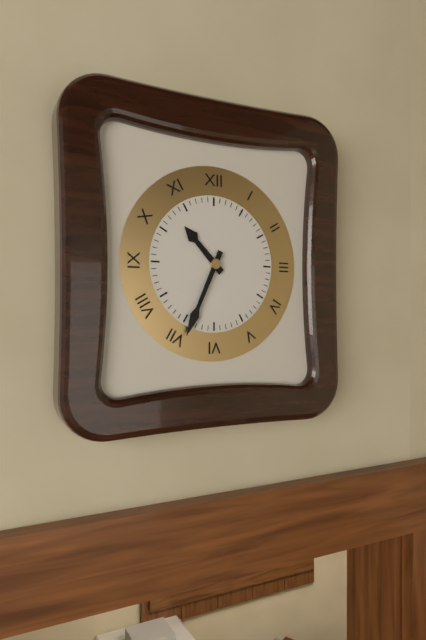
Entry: 10:34
